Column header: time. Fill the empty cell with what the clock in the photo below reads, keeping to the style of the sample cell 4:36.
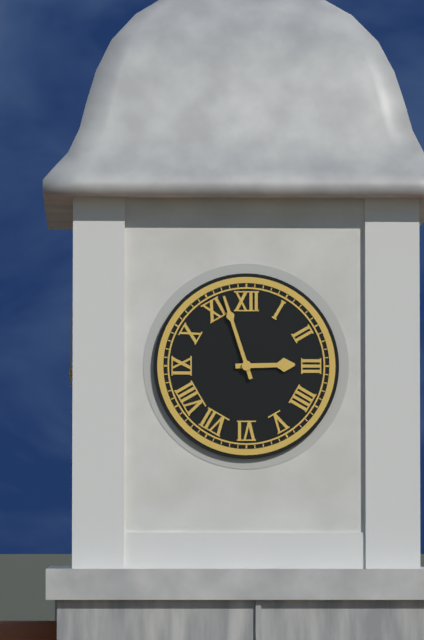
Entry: 2:57
